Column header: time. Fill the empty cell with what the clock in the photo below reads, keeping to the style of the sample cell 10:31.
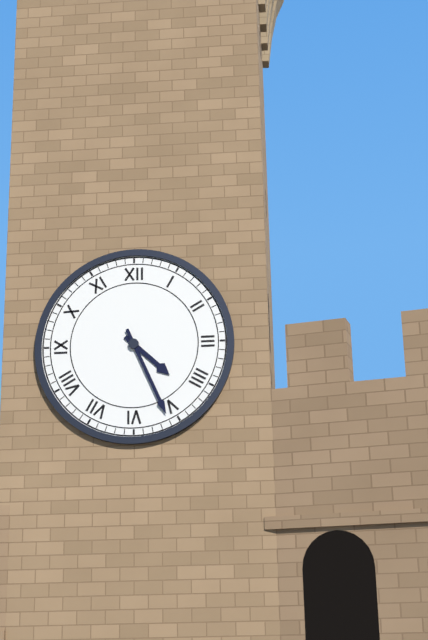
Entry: 4:26
